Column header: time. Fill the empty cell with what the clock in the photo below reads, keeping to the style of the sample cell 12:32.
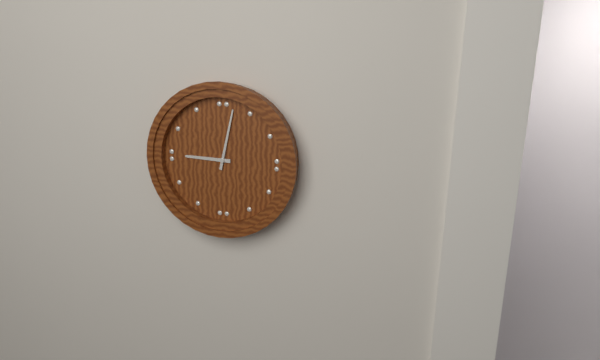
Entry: 9:02
